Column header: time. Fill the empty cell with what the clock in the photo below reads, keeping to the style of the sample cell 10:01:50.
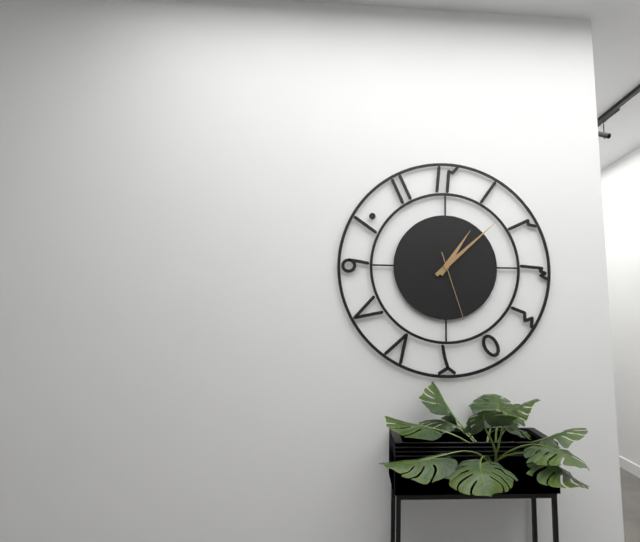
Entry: 1:08:27
